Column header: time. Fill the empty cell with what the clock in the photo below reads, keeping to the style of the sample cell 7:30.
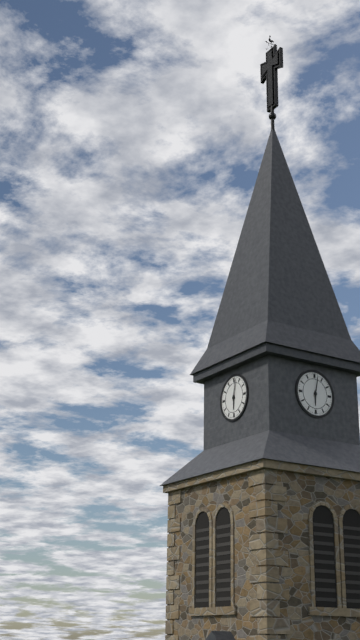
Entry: 6:02
